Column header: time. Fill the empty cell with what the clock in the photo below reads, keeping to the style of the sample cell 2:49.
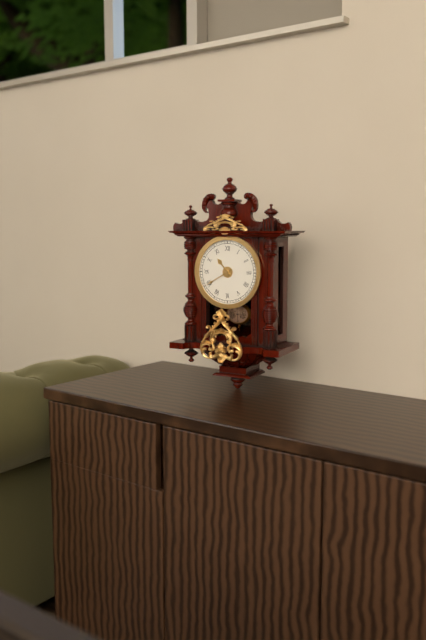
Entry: 10:40
